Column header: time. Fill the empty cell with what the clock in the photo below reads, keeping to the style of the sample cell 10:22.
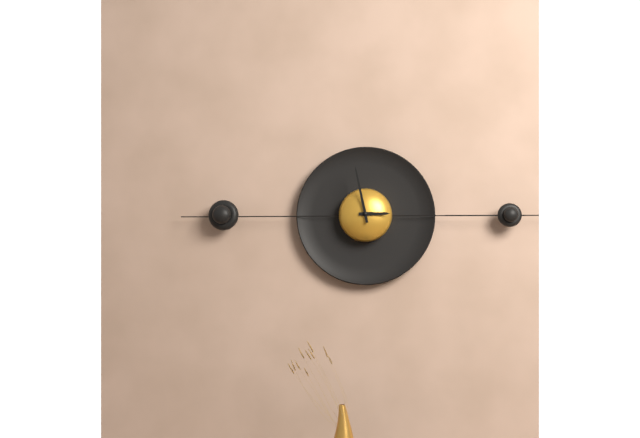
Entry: 2:58
